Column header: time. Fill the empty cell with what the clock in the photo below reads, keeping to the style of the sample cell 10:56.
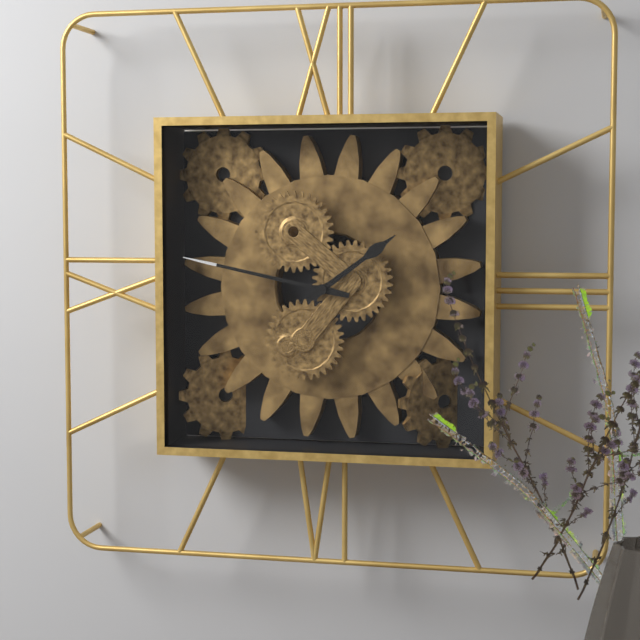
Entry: 1:47
